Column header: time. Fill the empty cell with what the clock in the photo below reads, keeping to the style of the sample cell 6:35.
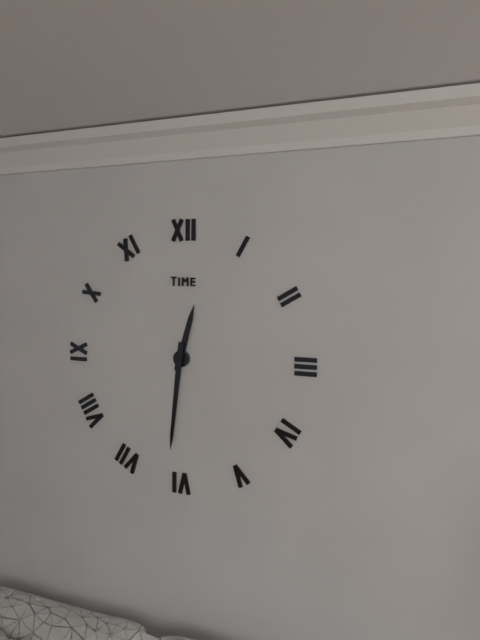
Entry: 12:31
